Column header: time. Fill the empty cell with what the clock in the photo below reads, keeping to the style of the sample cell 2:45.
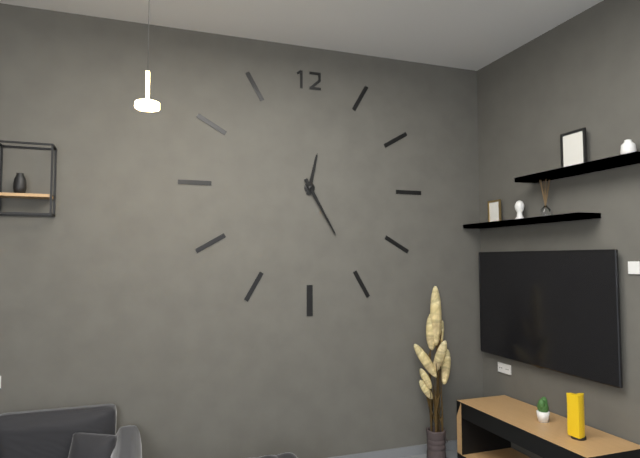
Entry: 12:25
